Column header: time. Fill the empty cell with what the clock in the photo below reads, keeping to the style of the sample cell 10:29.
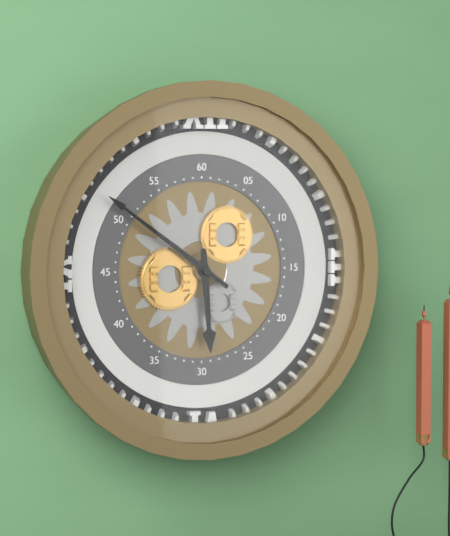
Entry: 5:51
